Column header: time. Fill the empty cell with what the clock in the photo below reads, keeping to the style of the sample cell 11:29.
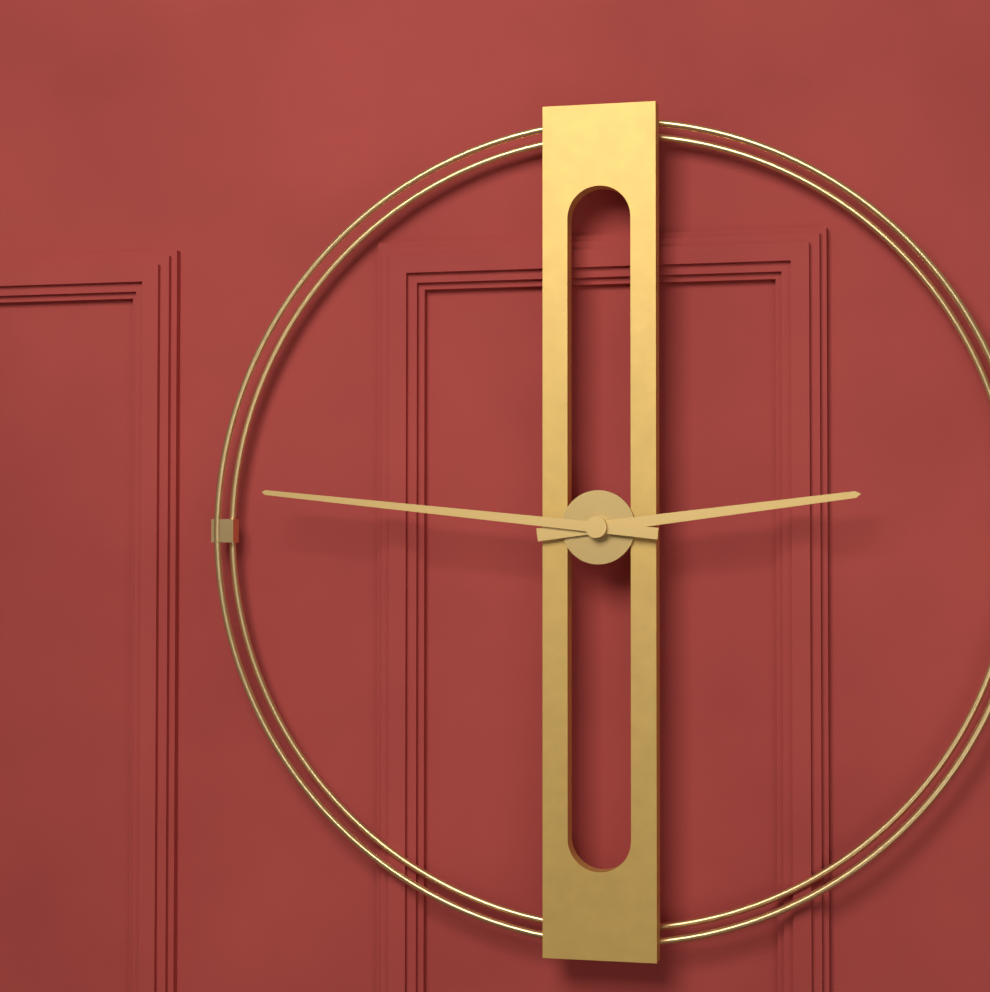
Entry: 2:46
